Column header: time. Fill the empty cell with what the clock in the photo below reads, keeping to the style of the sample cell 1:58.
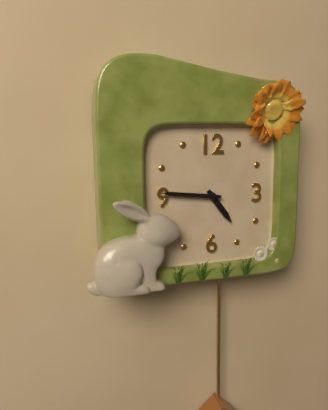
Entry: 4:46
